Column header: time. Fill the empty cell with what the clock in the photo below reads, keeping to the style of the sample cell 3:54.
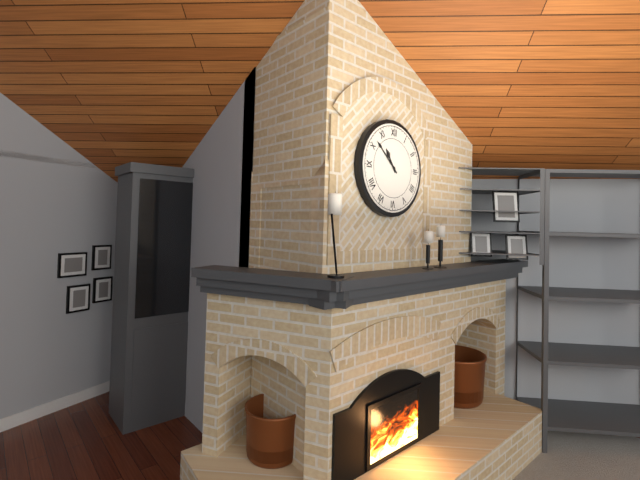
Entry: 10:52
